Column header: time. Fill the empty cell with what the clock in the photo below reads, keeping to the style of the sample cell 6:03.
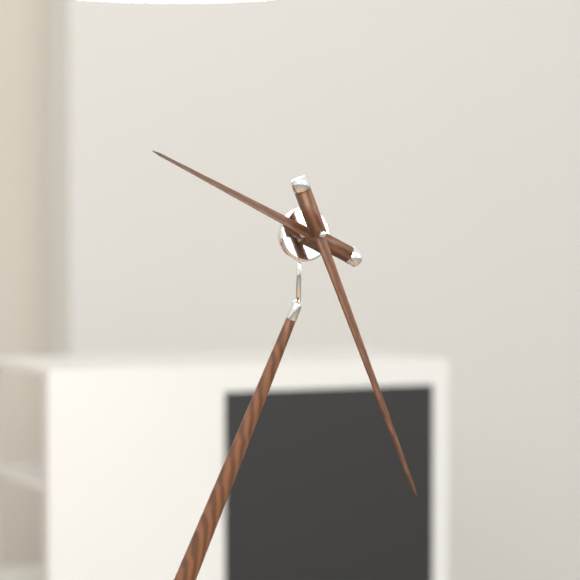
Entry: 9:24
